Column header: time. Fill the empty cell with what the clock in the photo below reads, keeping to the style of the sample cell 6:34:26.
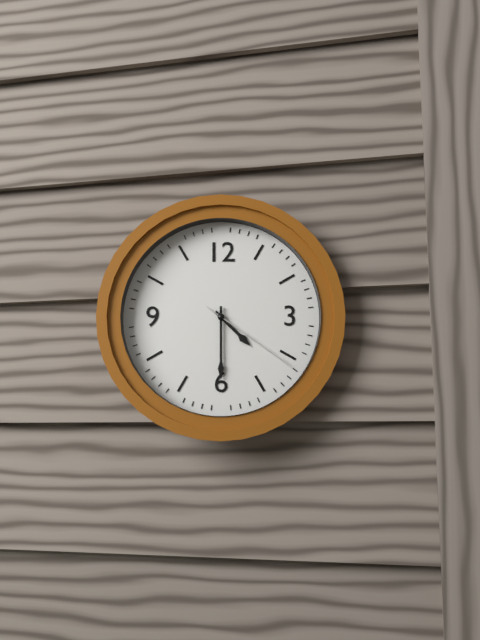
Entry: 4:30:21
